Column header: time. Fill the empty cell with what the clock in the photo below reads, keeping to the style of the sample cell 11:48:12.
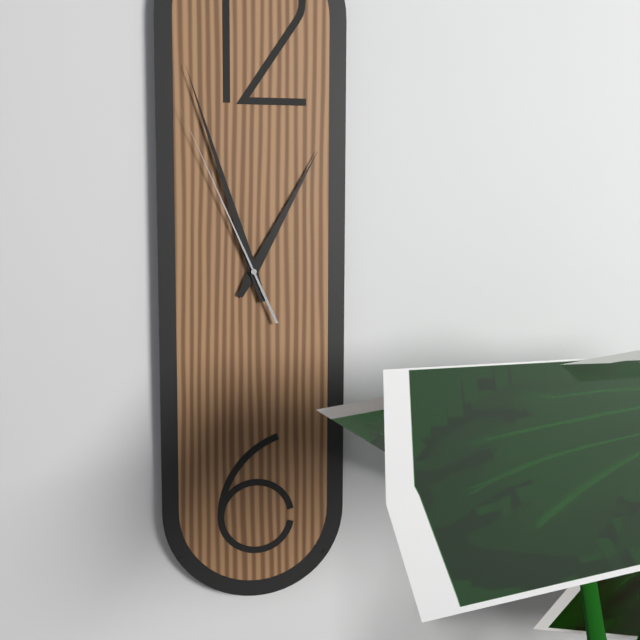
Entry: 12:57:56
